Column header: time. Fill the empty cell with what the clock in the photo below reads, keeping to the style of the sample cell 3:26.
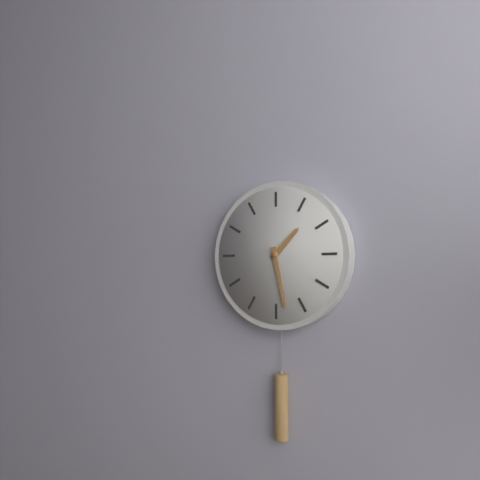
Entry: 1:28
